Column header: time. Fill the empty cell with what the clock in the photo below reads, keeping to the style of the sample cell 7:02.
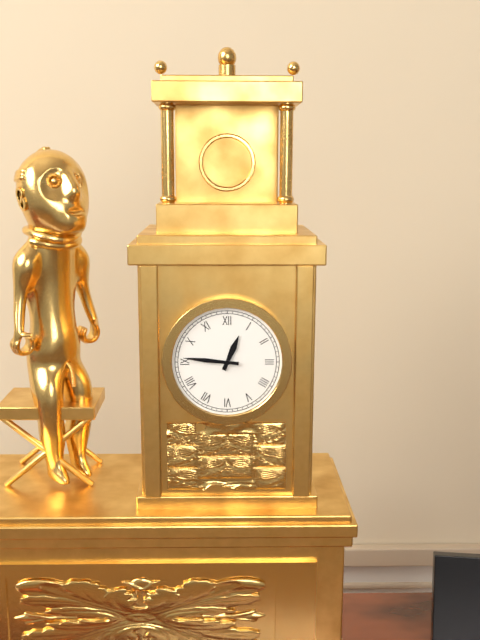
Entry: 12:46
